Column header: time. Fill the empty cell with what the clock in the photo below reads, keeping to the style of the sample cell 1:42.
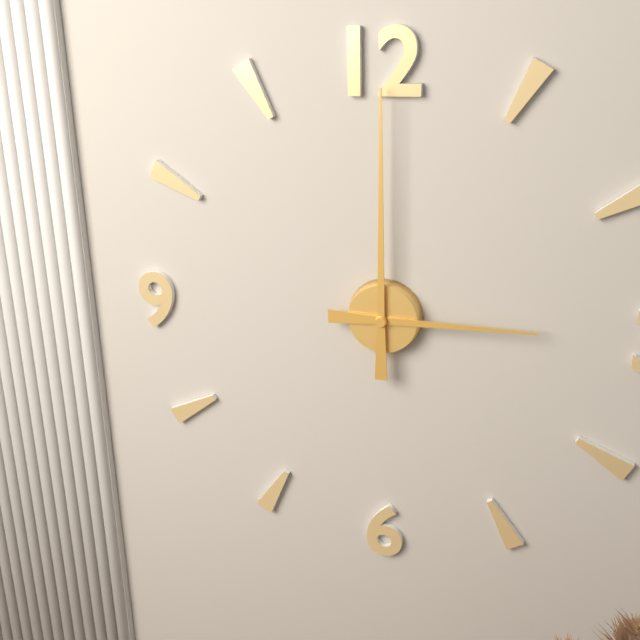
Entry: 3:00
